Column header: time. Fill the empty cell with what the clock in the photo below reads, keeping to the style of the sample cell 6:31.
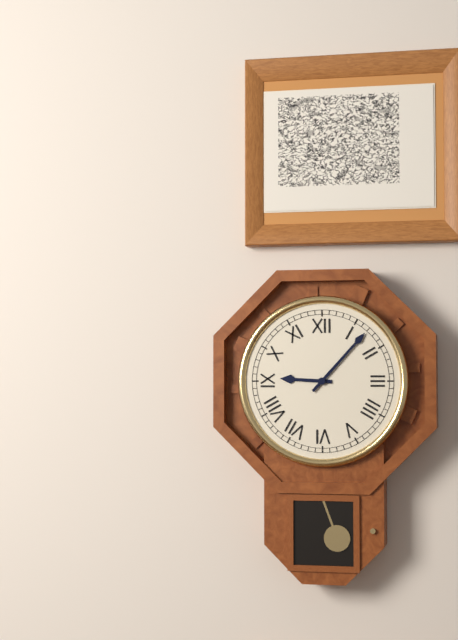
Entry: 9:07
